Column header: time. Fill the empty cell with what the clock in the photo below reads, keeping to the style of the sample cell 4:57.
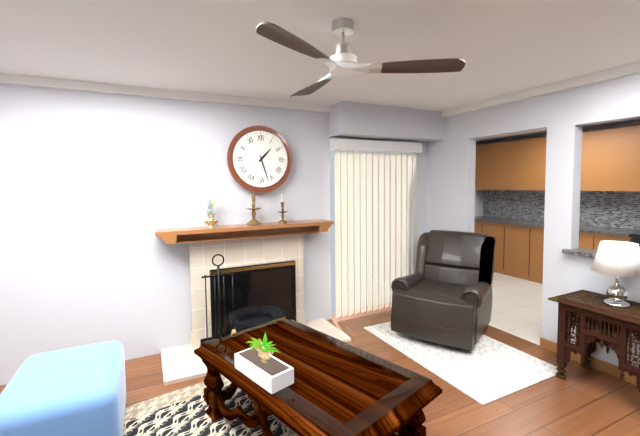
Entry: 1:27
